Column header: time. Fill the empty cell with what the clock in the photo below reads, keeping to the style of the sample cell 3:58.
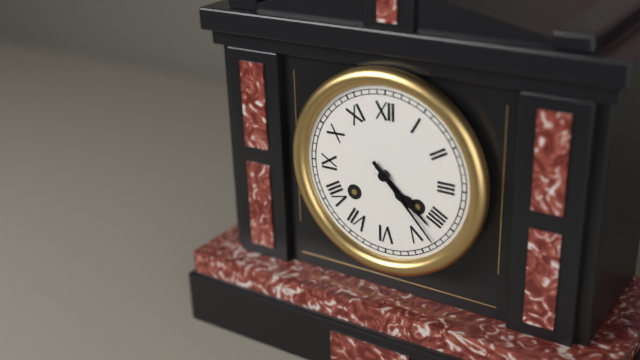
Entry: 4:23
